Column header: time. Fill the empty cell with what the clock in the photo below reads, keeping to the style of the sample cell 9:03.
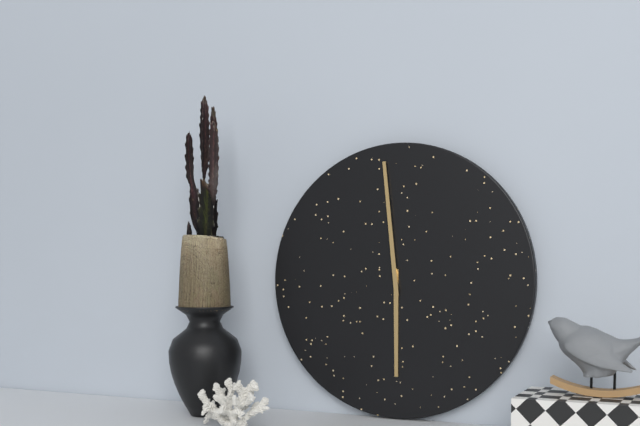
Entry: 5:59
